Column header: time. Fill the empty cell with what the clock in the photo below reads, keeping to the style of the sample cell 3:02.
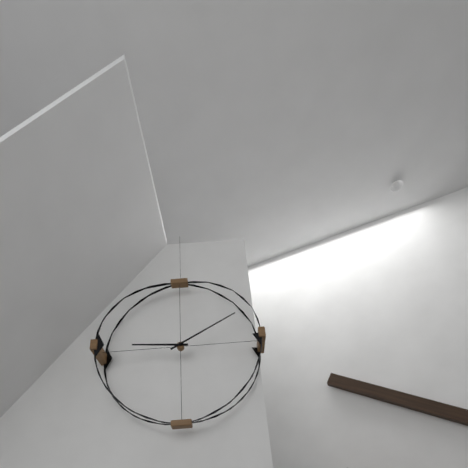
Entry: 9:10
